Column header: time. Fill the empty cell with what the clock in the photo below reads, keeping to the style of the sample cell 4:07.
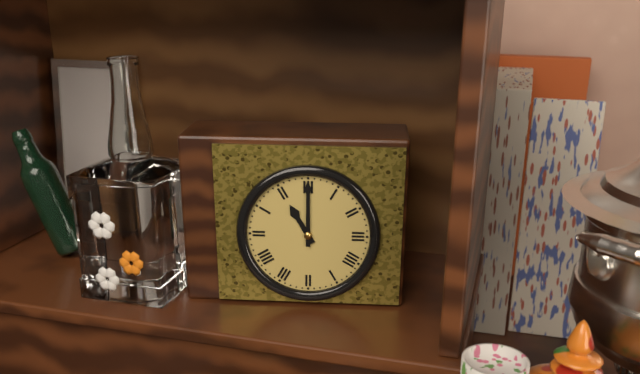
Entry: 11:00
